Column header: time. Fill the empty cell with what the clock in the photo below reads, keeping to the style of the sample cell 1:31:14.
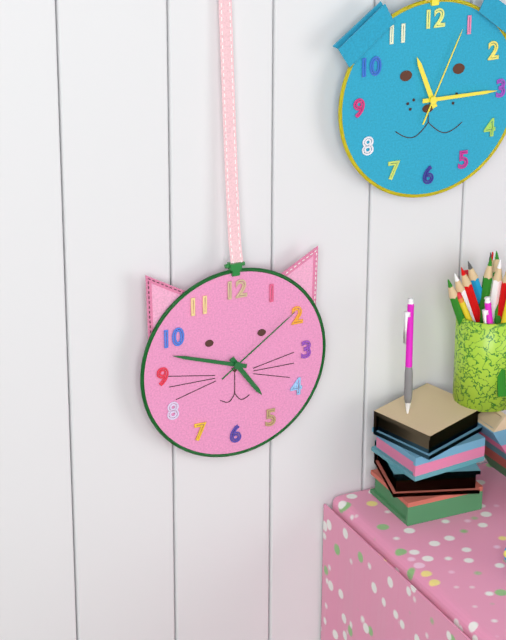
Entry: 4:48:09
